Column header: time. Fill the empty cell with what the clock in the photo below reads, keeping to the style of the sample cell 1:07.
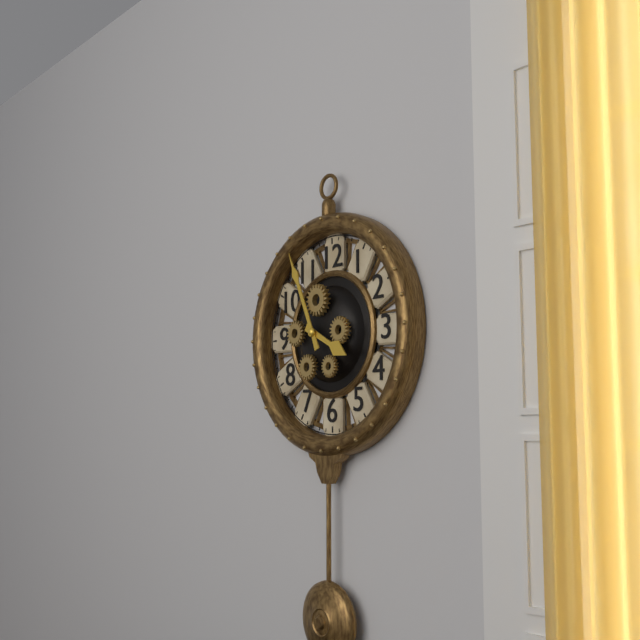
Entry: 3:56
